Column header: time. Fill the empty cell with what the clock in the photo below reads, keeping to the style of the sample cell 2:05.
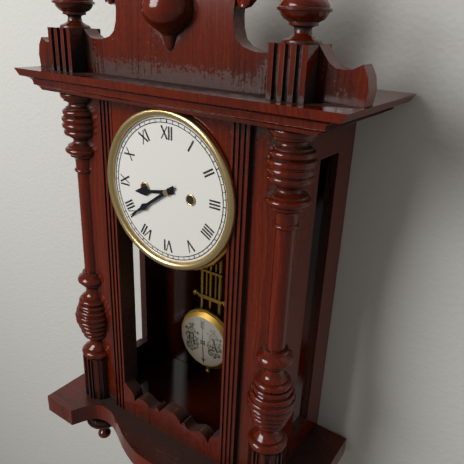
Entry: 8:39
